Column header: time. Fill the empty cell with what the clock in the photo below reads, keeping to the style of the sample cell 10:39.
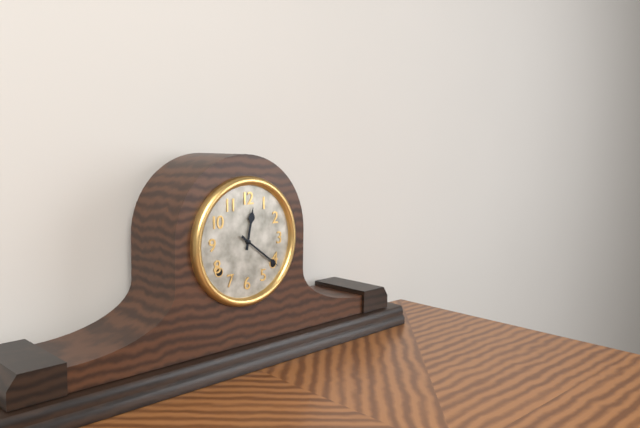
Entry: 12:21
